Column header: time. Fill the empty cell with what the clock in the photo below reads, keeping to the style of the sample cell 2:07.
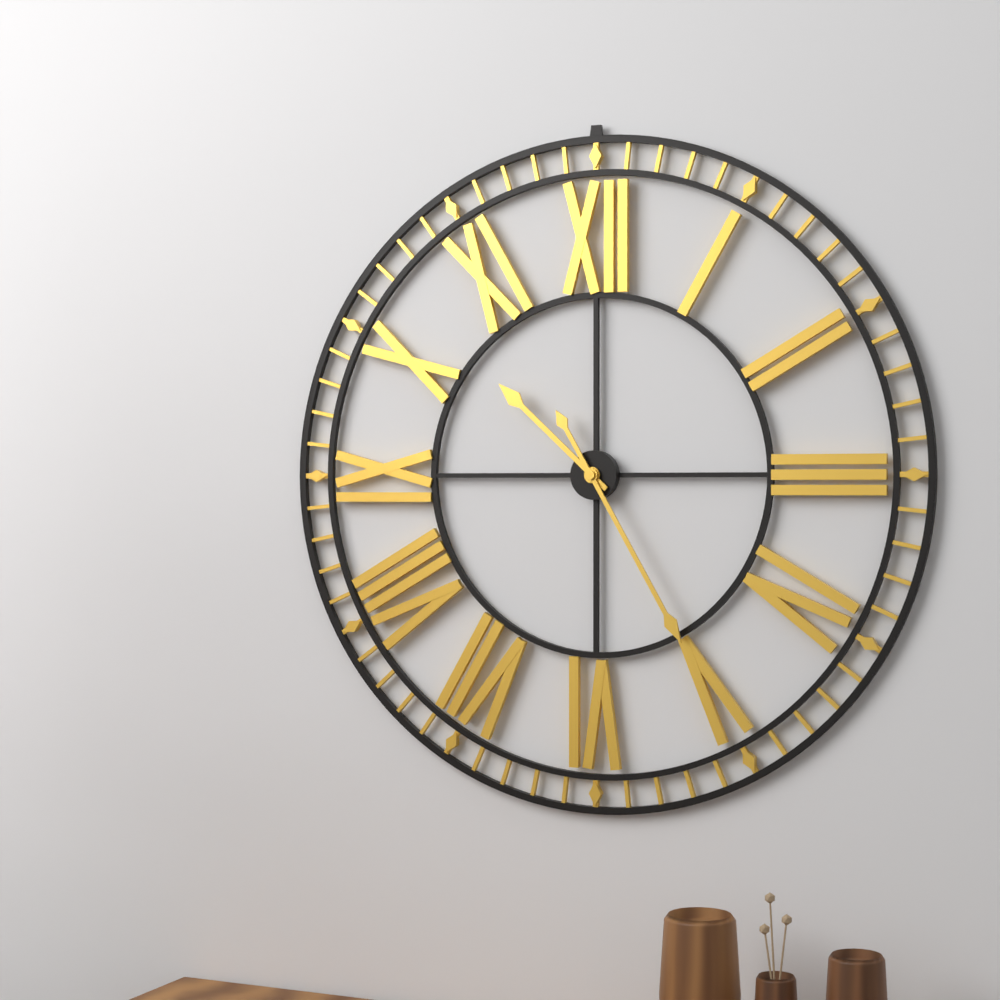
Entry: 10:25
